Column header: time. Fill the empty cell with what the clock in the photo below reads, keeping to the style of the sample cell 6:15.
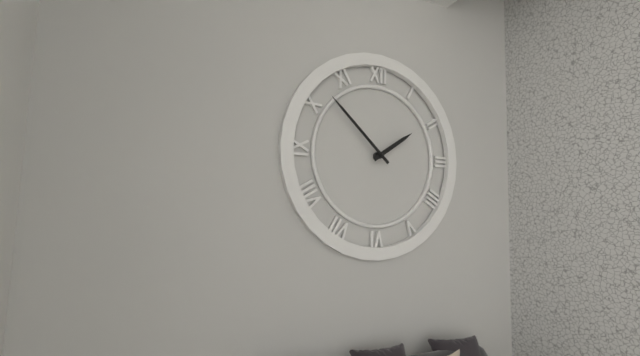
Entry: 1:52
